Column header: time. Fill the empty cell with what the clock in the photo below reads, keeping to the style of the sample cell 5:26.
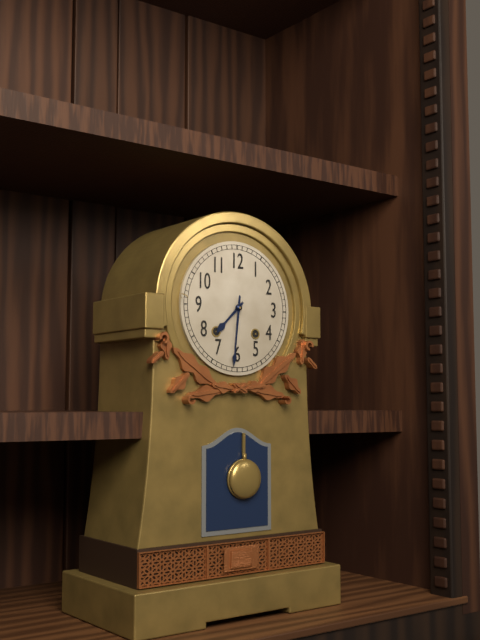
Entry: 7:31
